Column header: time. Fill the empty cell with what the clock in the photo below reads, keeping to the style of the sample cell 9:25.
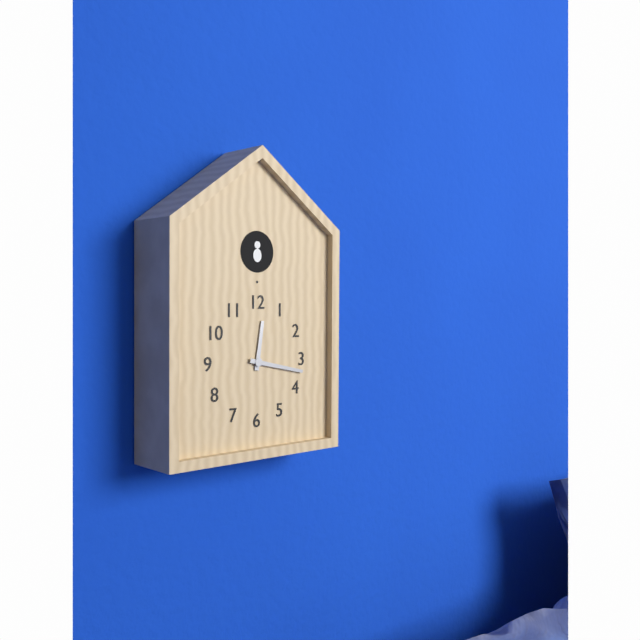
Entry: 12:17
